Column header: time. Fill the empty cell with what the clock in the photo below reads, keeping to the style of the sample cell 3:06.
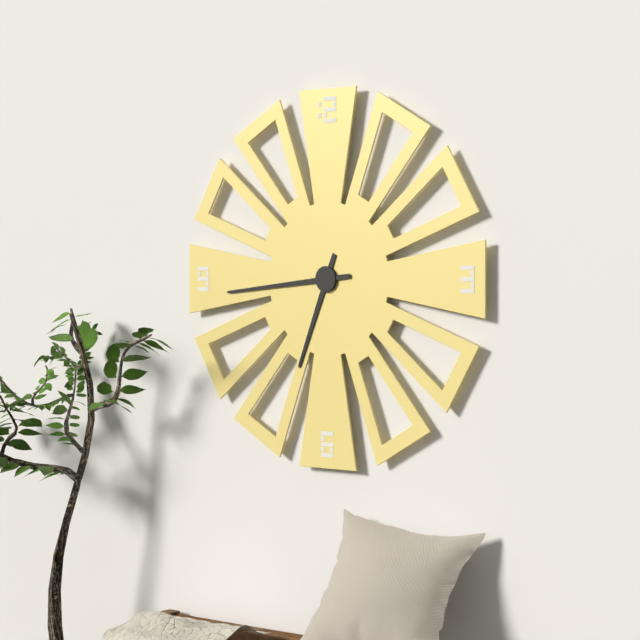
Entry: 6:44
